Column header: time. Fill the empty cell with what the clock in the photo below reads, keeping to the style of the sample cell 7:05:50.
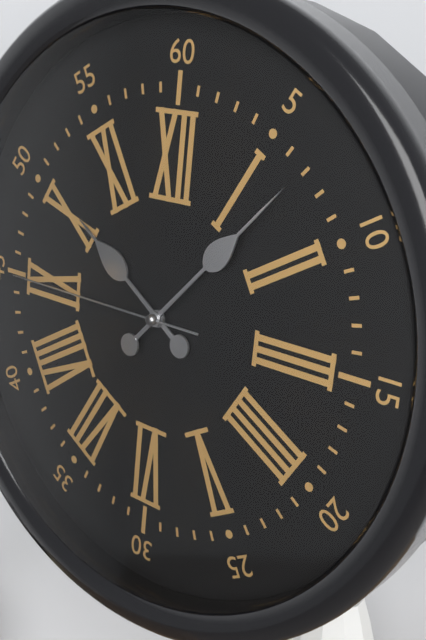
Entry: 10:07:45
